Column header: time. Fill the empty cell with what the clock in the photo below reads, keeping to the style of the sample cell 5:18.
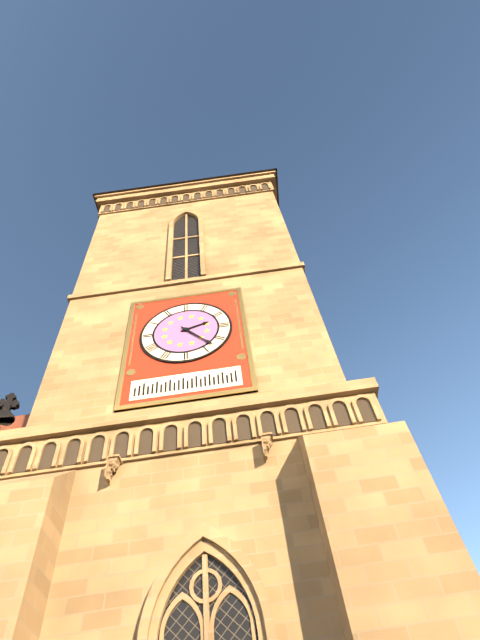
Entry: 2:23
